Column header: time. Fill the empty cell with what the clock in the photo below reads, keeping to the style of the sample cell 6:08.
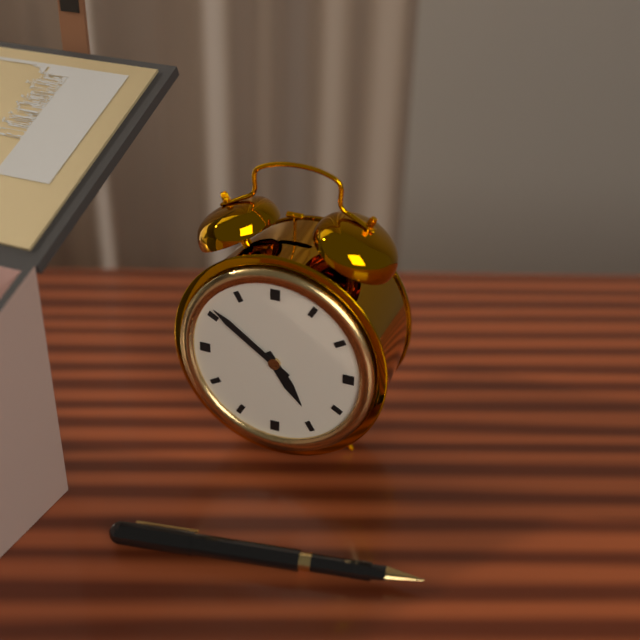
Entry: 4:51
